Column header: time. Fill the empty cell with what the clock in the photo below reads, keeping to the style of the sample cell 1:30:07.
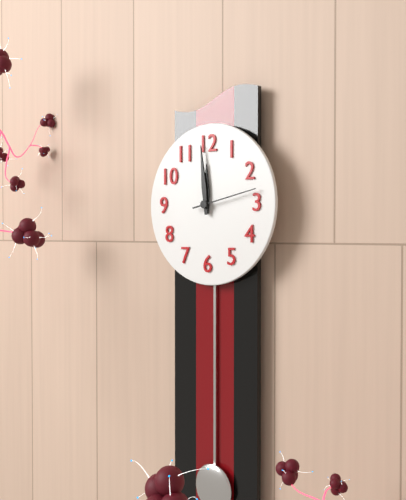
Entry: 11:59:13
